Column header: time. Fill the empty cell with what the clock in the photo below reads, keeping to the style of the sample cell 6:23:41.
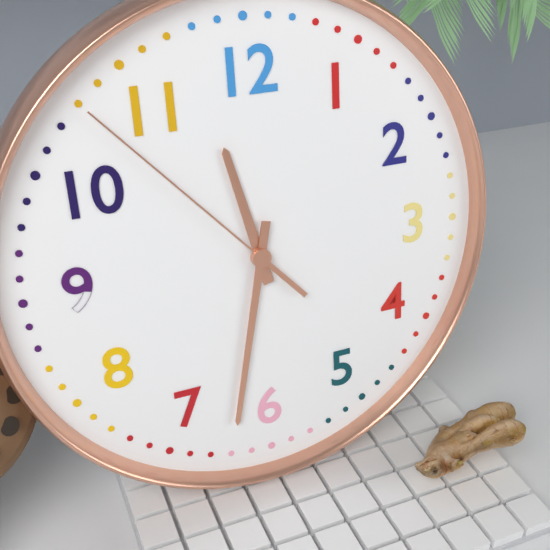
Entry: 11:32:53
